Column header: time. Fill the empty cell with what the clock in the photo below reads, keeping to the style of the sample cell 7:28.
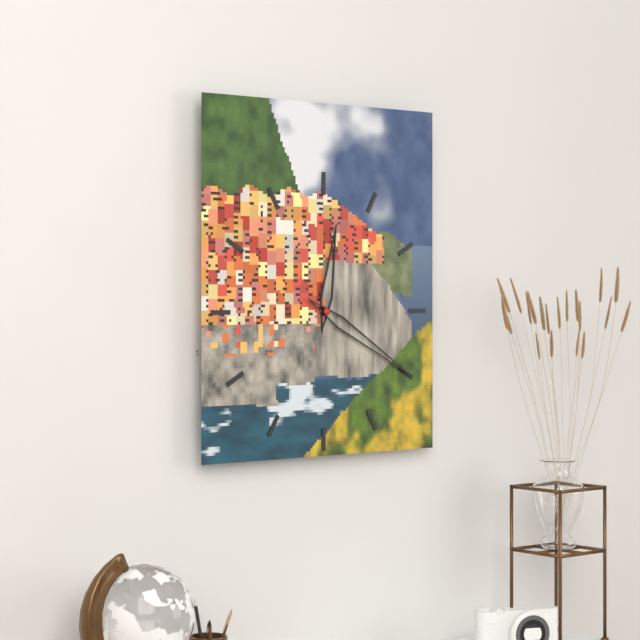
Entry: 12:20
